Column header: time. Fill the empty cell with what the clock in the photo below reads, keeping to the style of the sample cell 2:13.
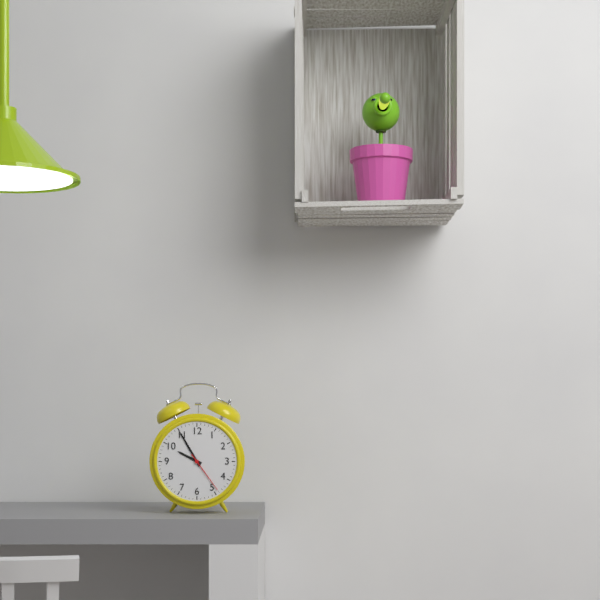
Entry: 9:55
